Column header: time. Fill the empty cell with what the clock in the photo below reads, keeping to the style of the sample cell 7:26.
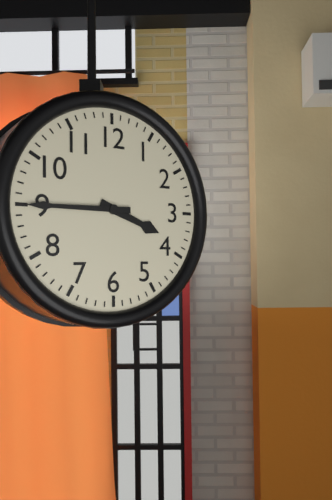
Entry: 3:45
